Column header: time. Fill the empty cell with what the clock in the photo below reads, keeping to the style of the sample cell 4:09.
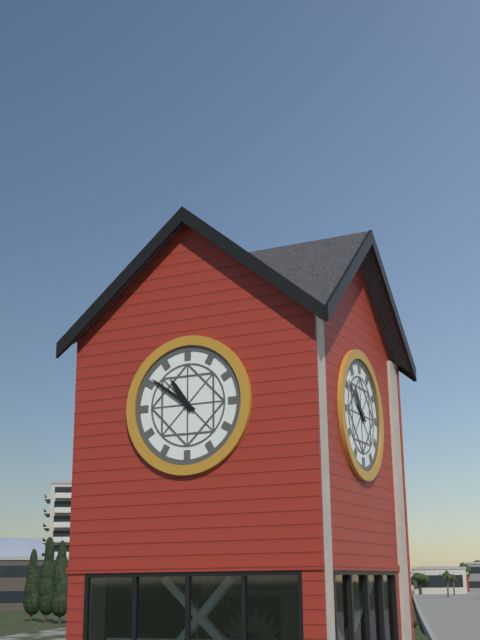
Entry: 10:51
